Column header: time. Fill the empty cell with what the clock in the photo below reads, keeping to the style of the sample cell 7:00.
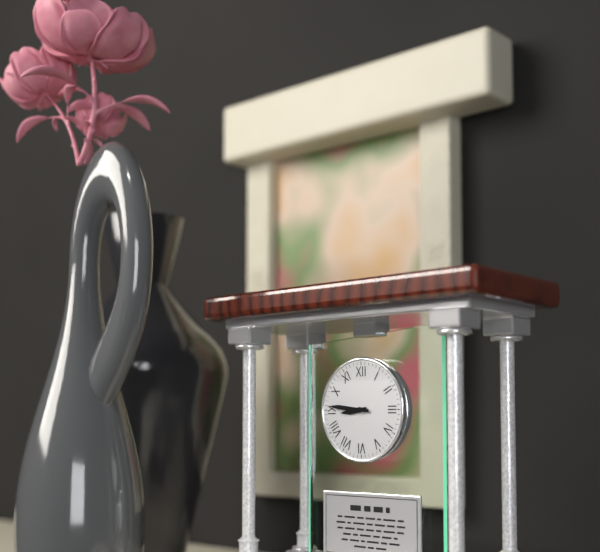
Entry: 8:46
